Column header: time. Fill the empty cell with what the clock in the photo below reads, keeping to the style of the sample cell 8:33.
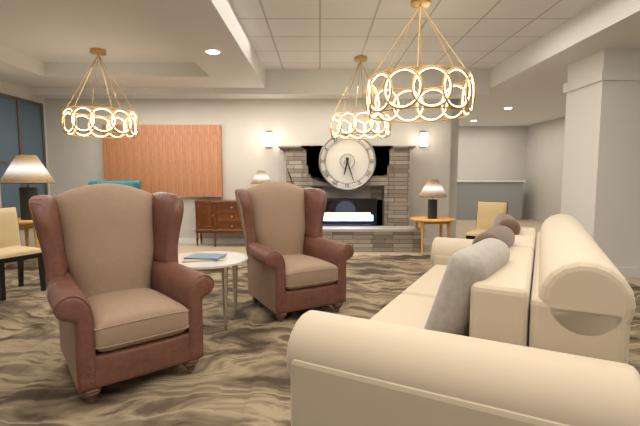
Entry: 6:27
